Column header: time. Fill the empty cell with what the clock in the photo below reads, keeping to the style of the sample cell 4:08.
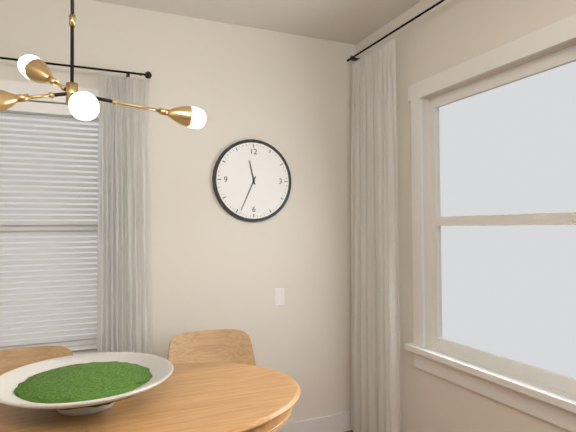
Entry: 11:34
